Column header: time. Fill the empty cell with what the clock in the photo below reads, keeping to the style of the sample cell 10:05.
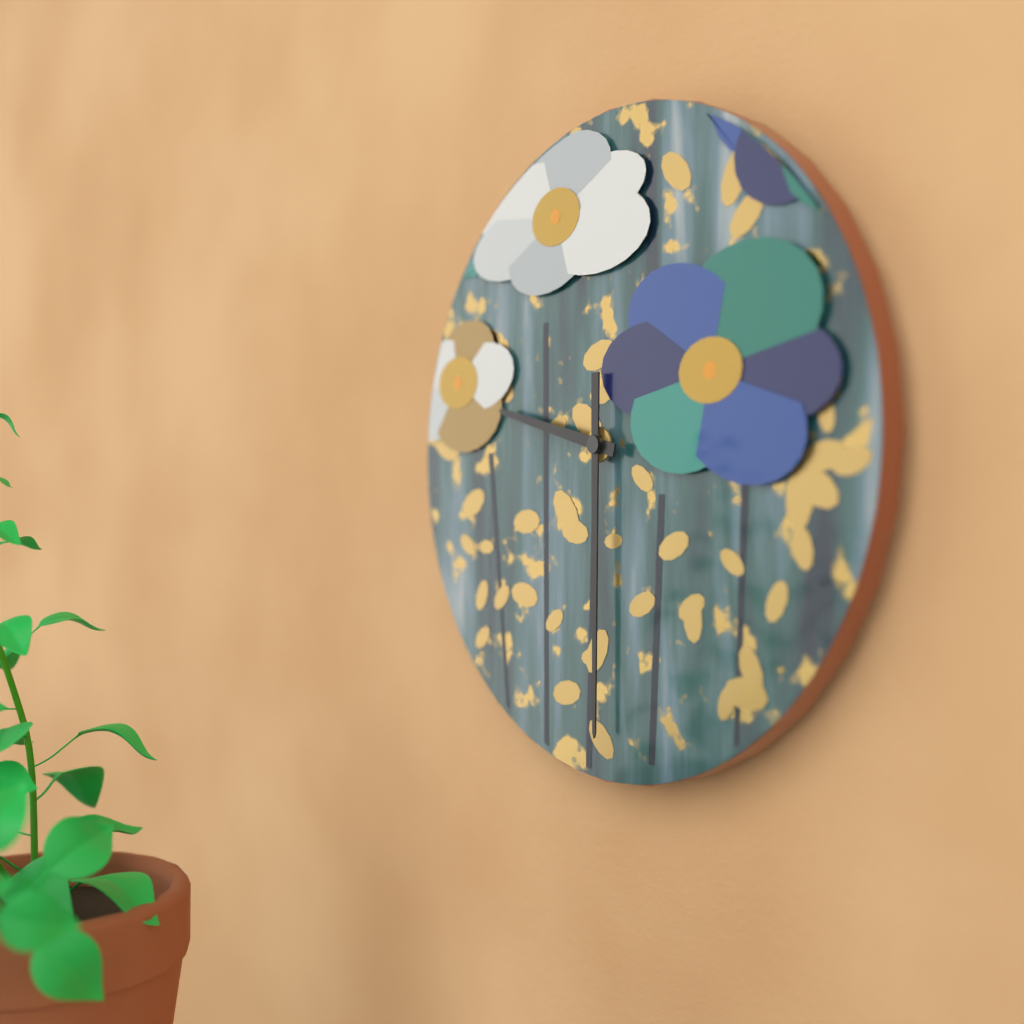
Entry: 9:30
